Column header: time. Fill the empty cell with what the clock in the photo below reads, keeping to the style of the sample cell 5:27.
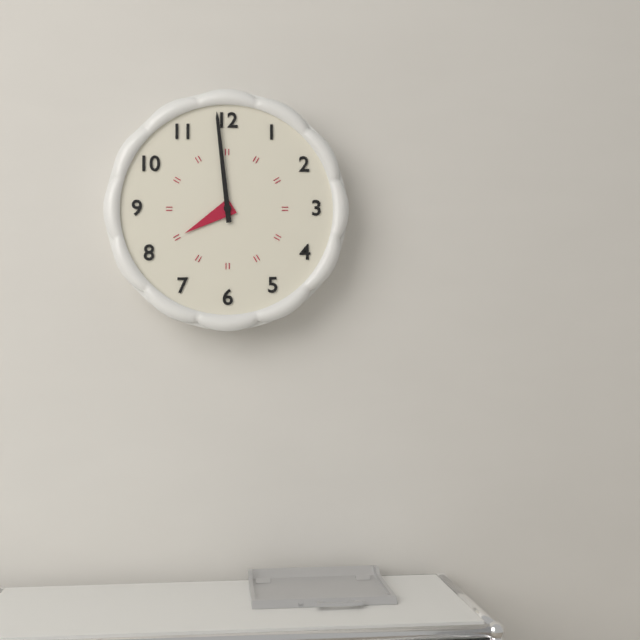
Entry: 7:59
